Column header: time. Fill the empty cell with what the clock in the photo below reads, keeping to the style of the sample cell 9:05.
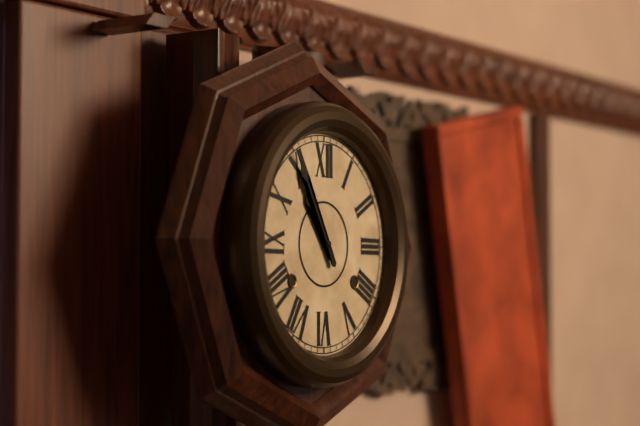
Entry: 10:55
